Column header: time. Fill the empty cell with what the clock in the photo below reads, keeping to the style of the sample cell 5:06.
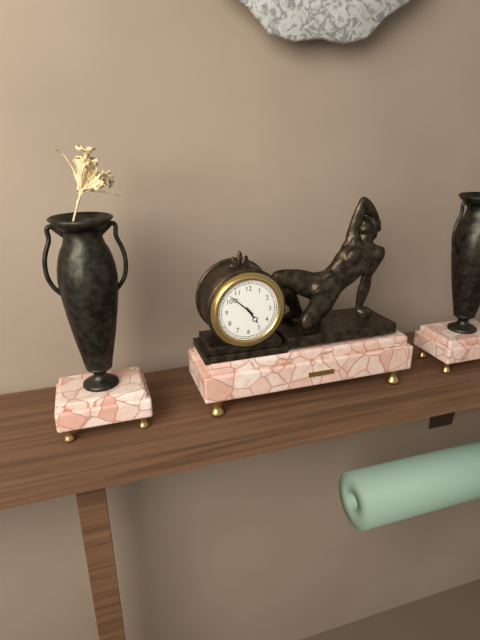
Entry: 4:52
